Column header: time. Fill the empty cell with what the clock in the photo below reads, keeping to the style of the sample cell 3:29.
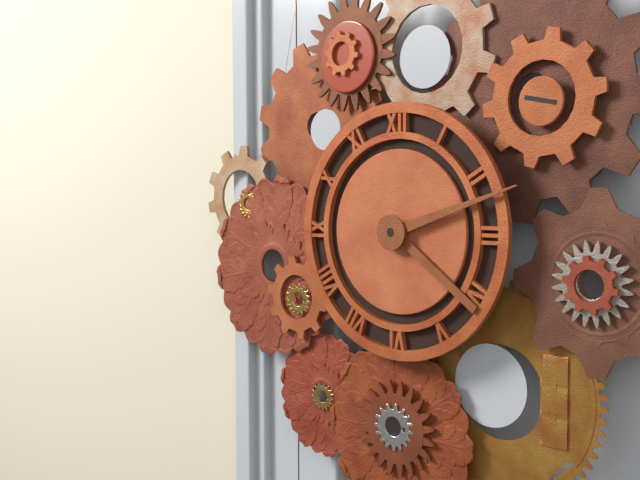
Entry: 4:12
